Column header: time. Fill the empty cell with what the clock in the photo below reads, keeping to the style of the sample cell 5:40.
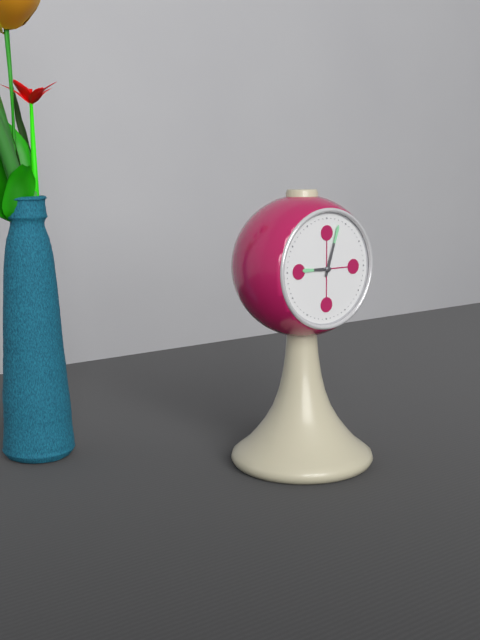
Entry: 9:03
